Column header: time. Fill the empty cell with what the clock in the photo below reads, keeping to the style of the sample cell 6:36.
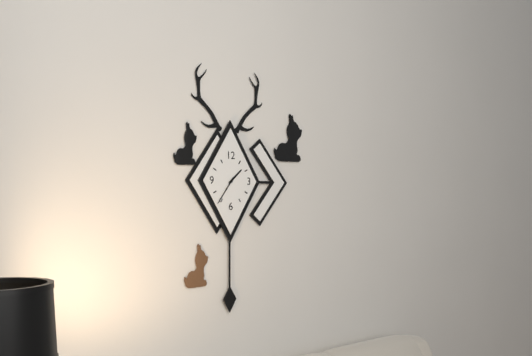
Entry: 1:36
